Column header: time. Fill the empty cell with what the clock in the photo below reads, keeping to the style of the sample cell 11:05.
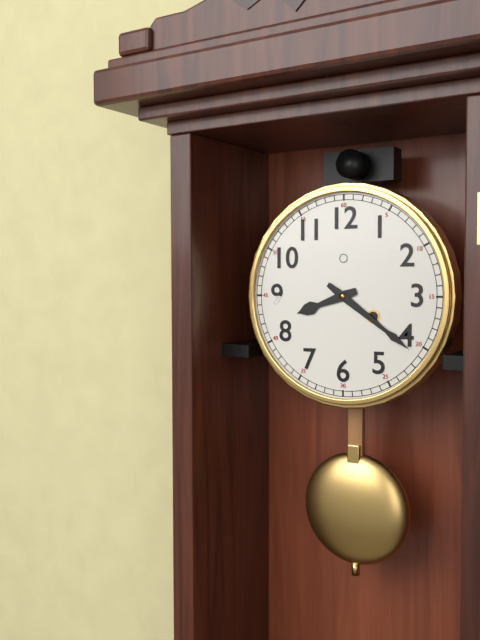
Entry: 8:21
